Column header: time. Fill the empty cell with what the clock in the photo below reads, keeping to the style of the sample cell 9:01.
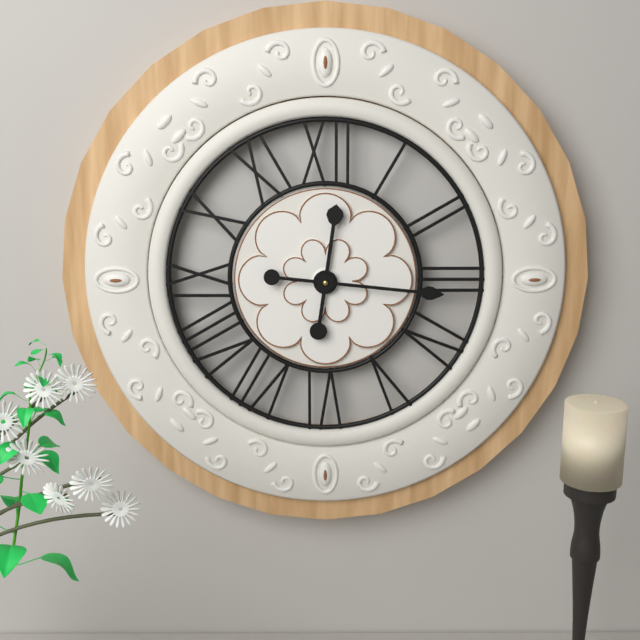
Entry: 12:16
